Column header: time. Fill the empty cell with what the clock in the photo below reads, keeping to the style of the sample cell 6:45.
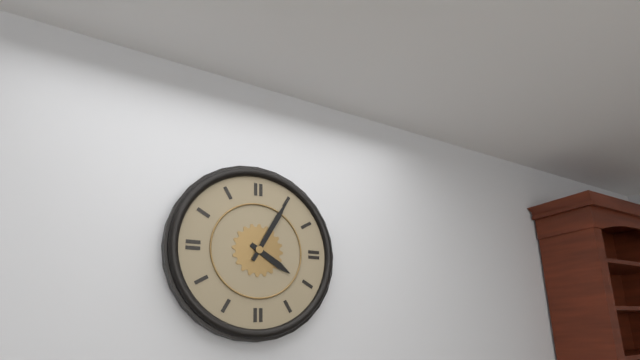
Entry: 4:05
